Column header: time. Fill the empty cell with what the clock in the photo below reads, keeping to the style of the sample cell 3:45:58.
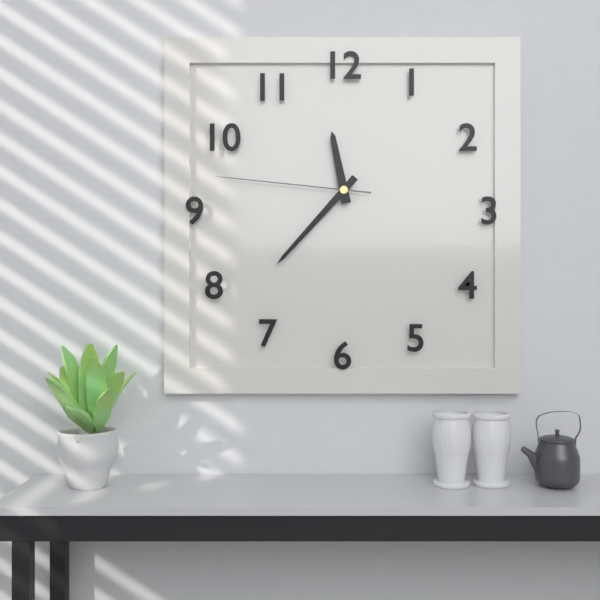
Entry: 11:37:46
